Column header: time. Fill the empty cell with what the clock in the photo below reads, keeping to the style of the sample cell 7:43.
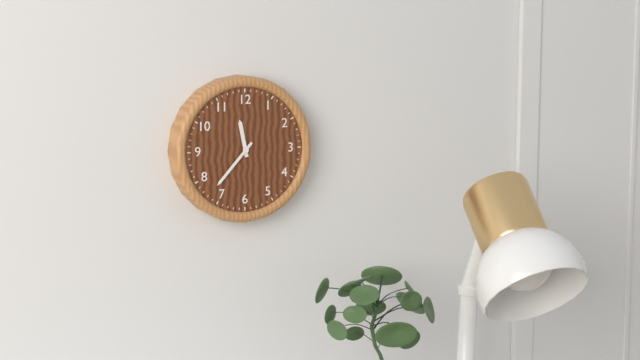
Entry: 11:37
